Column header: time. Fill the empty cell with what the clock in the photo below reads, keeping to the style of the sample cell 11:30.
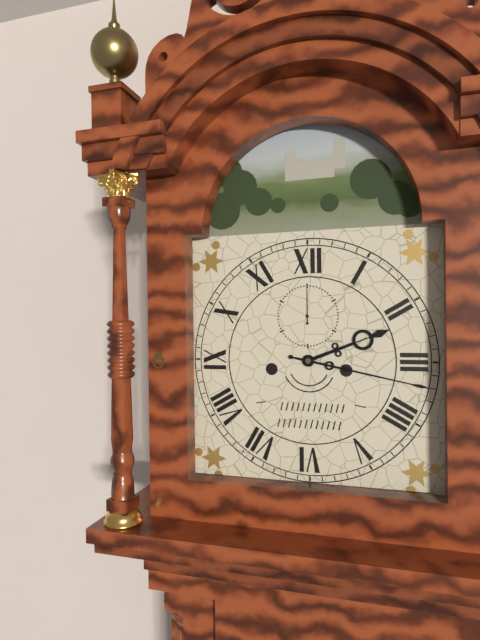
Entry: 2:17
